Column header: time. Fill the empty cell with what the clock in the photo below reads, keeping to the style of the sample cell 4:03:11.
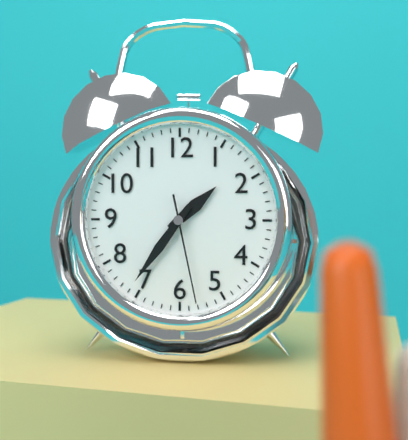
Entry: 1:36:28
